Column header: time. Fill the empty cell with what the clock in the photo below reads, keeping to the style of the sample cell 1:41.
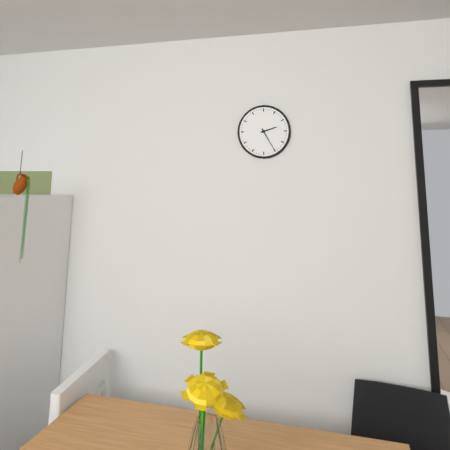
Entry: 2:25
